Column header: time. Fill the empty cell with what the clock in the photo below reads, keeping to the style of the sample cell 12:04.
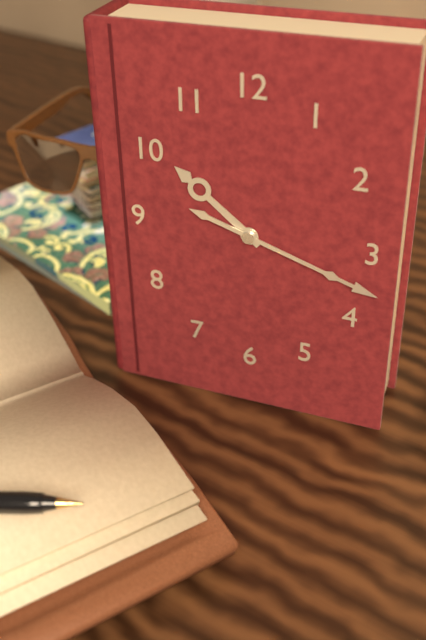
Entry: 10:18
